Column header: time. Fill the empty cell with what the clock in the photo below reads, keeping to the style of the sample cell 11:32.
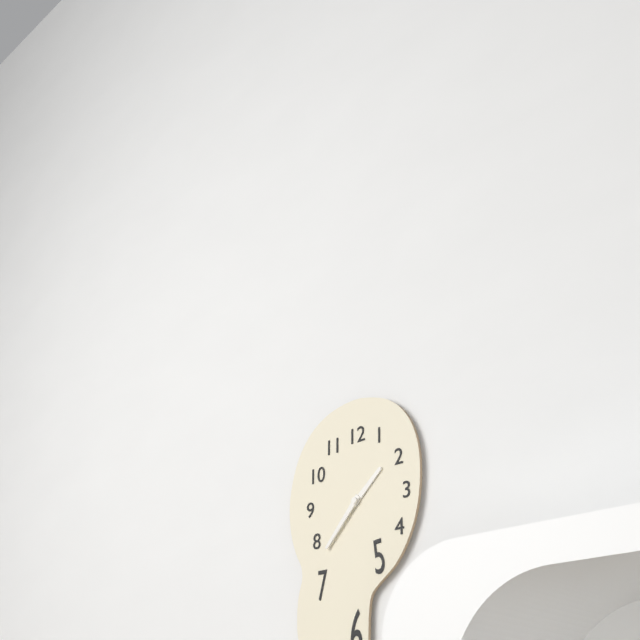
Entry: 1:37
